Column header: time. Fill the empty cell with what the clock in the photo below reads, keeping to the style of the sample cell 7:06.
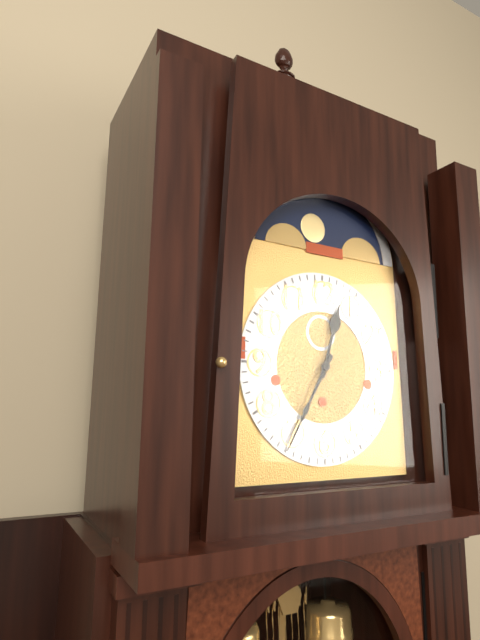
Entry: 12:35
